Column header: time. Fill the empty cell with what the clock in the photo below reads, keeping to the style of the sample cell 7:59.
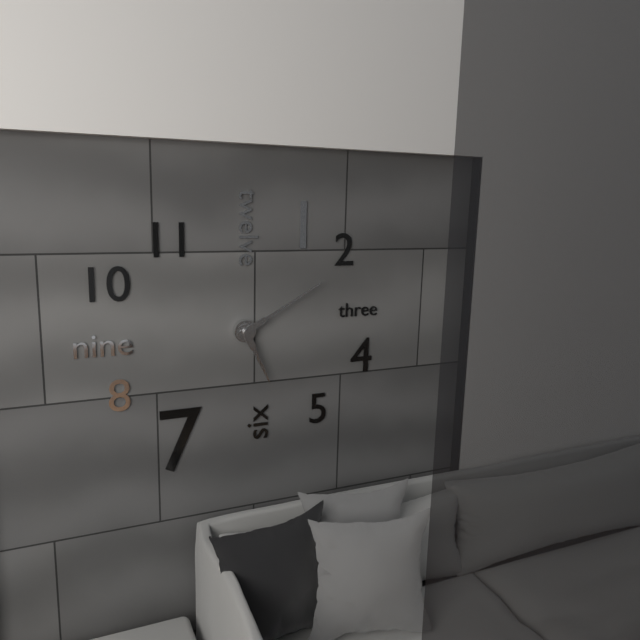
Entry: 5:10
